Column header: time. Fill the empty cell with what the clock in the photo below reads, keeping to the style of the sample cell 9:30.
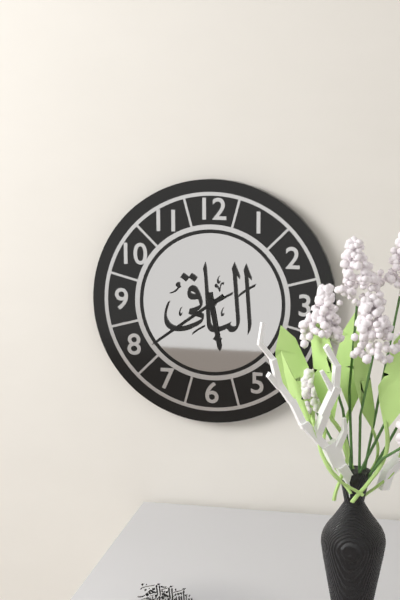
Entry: 5:39
